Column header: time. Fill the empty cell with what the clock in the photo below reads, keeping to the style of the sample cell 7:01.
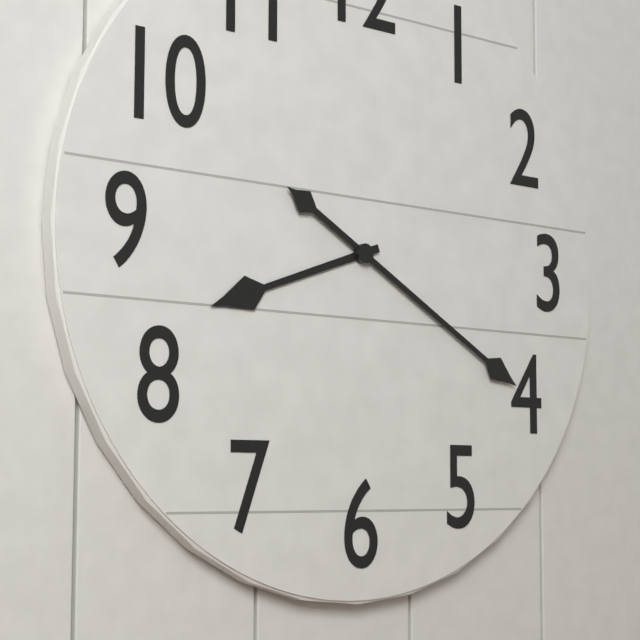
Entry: 8:20
